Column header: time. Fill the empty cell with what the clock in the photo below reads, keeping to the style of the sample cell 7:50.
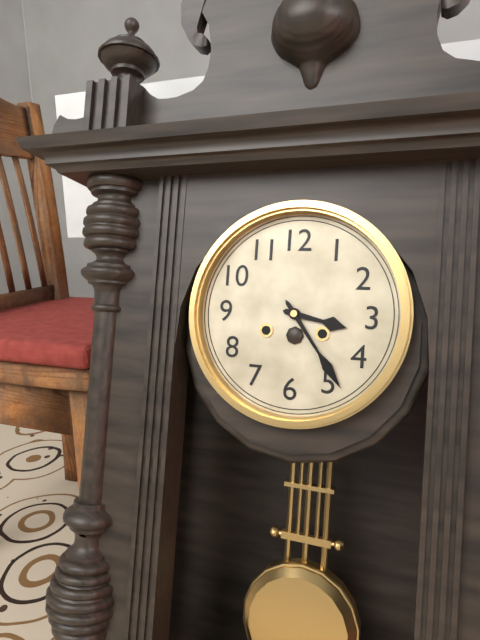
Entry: 3:24
